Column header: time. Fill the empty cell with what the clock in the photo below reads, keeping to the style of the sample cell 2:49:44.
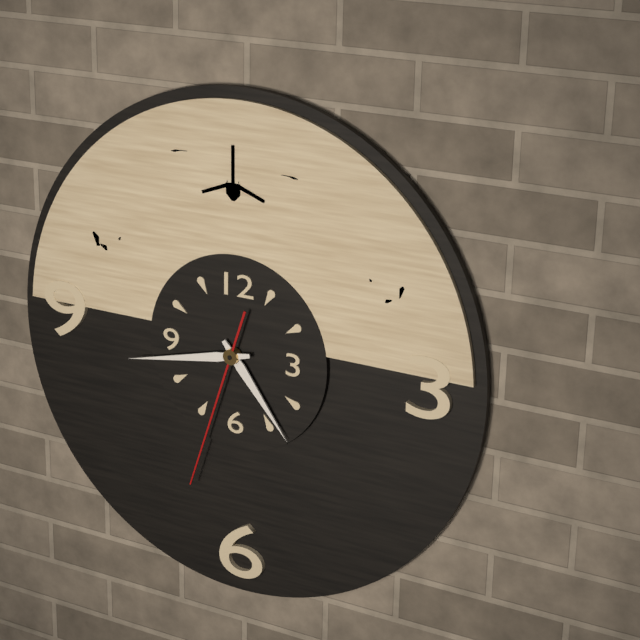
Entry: 4:43:33
